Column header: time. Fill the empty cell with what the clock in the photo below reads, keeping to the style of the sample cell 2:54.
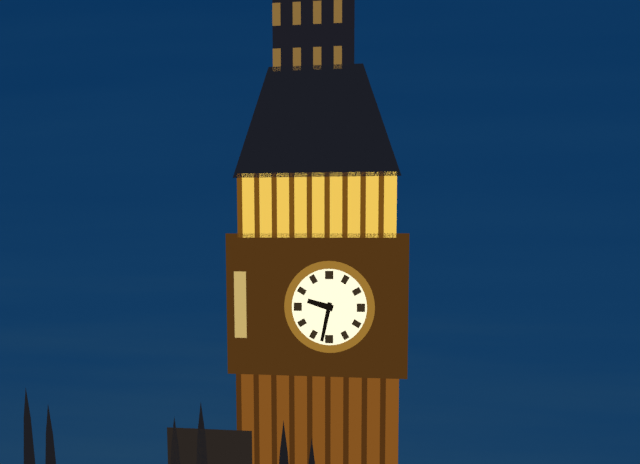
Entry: 9:32
